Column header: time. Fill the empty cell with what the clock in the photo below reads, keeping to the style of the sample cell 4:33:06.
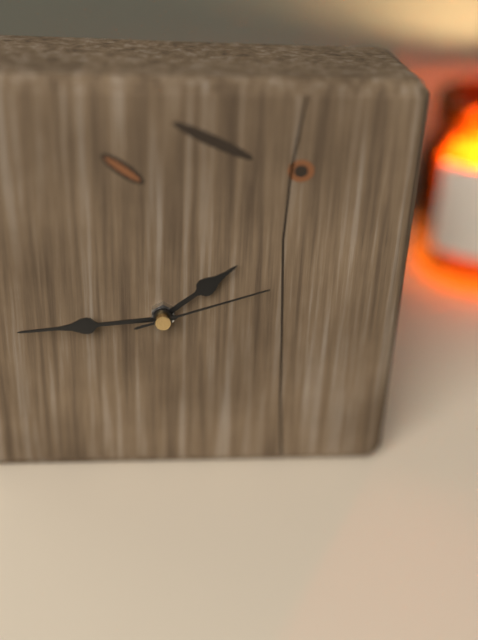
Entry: 1:44:12
